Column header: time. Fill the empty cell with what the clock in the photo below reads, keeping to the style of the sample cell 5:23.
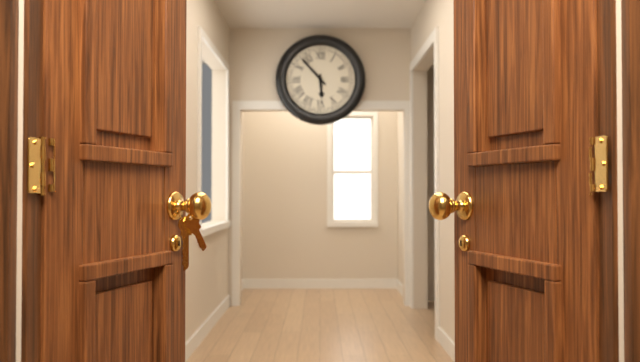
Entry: 5:53
